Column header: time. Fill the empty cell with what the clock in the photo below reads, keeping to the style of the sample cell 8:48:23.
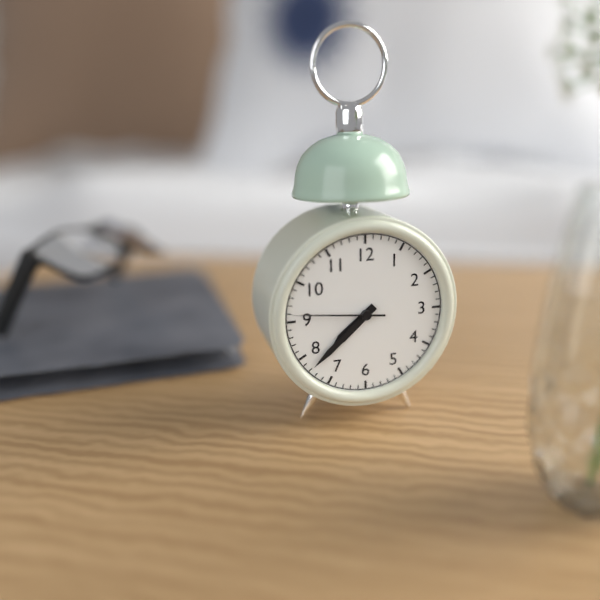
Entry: 7:38:46
